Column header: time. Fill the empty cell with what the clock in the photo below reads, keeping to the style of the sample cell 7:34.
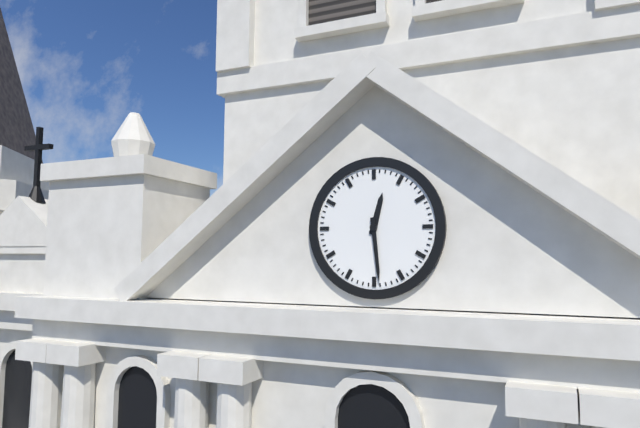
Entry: 12:29
